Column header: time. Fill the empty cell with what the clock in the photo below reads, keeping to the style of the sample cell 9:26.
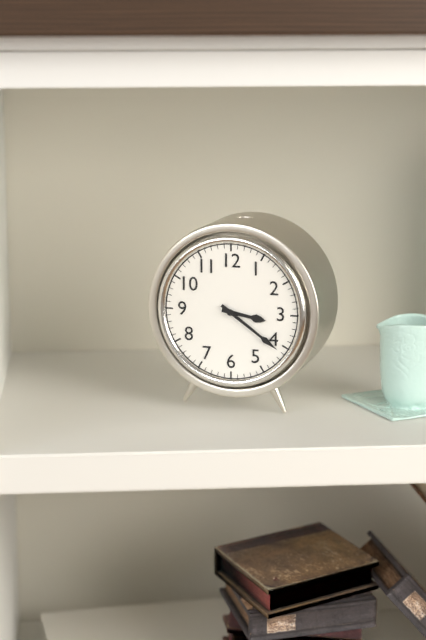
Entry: 3:21
